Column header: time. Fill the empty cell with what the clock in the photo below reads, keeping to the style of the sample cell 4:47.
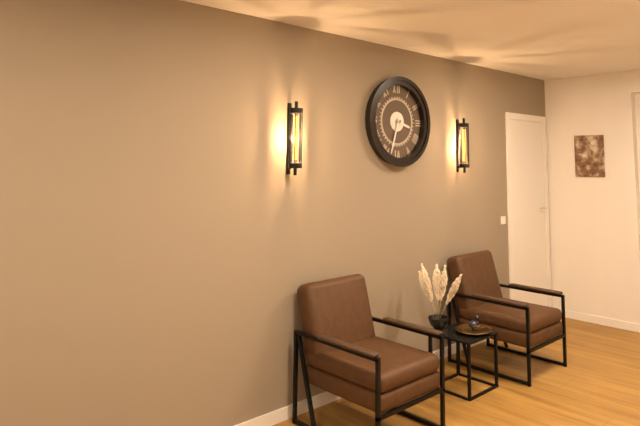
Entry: 3:33
